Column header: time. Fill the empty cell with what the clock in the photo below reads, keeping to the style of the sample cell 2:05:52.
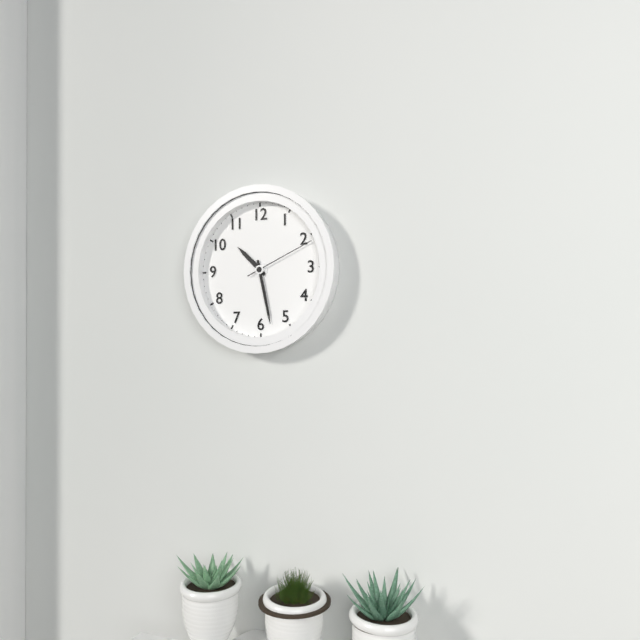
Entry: 10:28:11
